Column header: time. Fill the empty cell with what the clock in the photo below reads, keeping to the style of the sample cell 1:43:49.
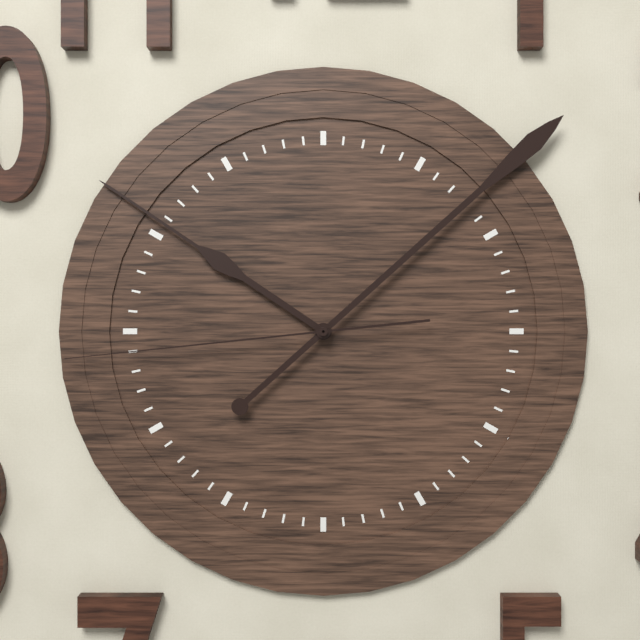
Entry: 10:08:44
